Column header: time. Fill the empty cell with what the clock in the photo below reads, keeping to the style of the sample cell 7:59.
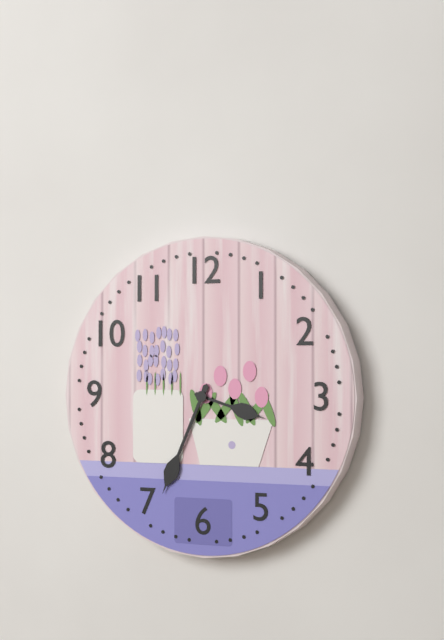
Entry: 3:34
